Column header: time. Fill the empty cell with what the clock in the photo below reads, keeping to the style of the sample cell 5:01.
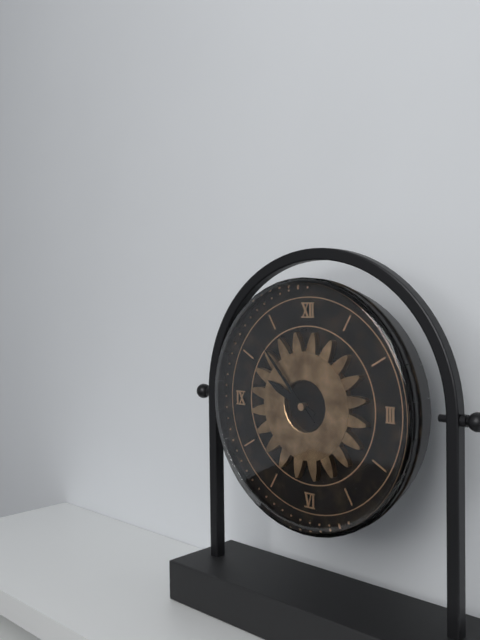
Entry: 9:53
